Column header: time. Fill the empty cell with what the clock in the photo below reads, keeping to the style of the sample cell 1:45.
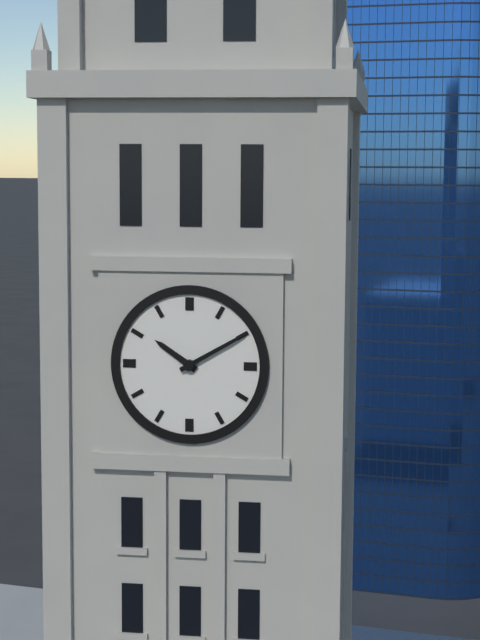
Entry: 10:10
